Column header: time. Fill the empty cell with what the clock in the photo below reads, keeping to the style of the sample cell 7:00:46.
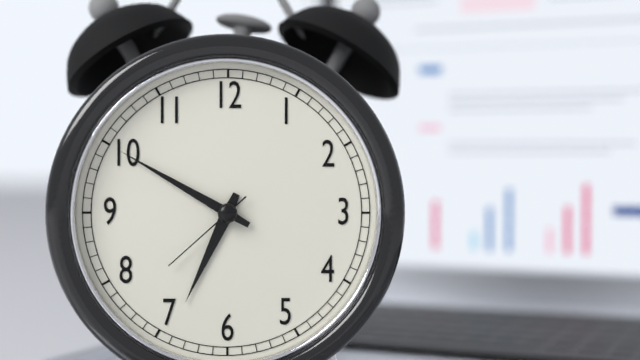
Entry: 6:50:38
